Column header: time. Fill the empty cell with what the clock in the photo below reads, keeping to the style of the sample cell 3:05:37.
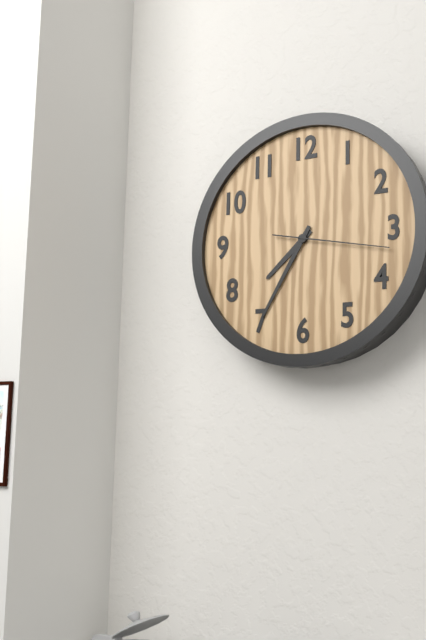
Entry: 7:35:17
